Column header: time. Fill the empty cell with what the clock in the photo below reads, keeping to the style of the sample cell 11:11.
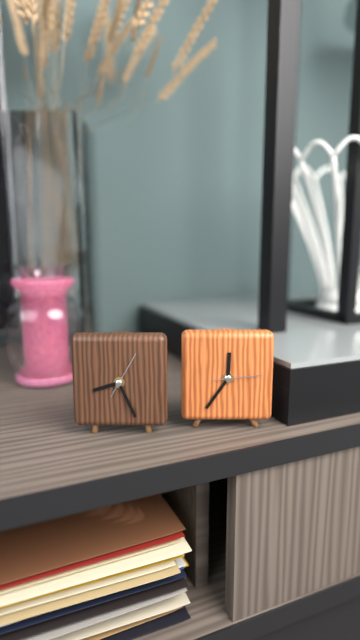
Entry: 8:26
